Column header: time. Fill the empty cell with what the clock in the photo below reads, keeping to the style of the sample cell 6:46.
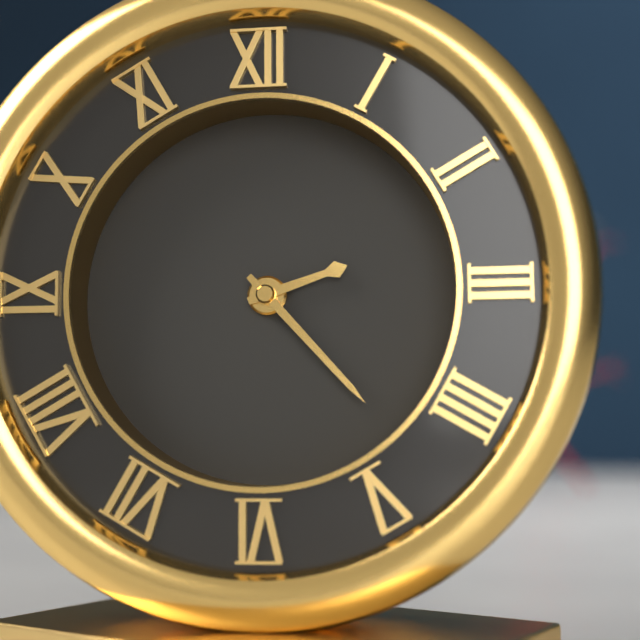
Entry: 2:23
